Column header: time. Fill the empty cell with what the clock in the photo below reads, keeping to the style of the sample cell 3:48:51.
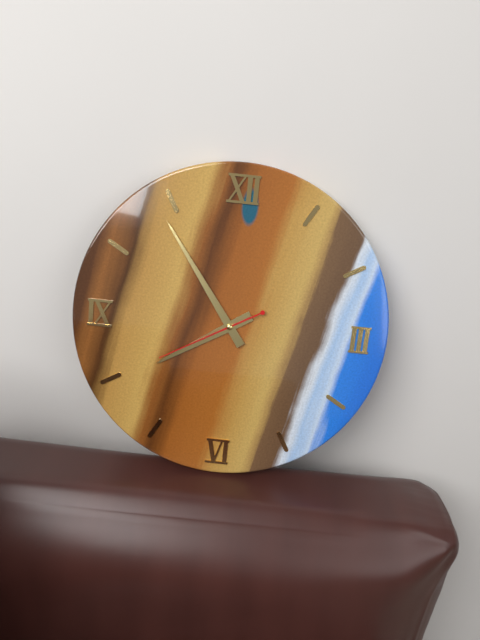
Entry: 7:54:40
